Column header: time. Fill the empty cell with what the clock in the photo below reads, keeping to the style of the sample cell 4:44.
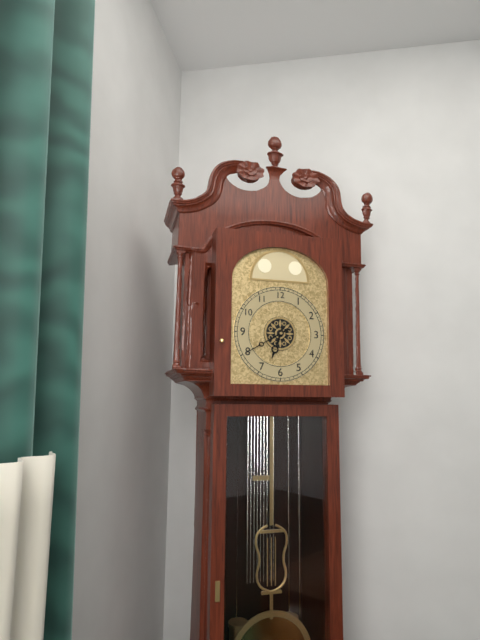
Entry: 6:40
